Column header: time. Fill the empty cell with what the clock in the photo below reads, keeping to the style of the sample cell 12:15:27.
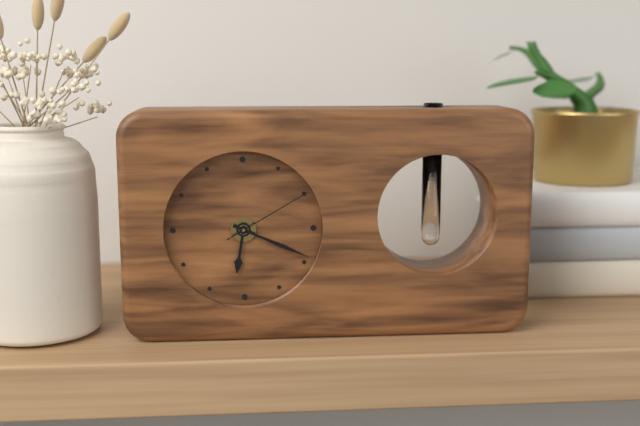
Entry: 6:19:10
